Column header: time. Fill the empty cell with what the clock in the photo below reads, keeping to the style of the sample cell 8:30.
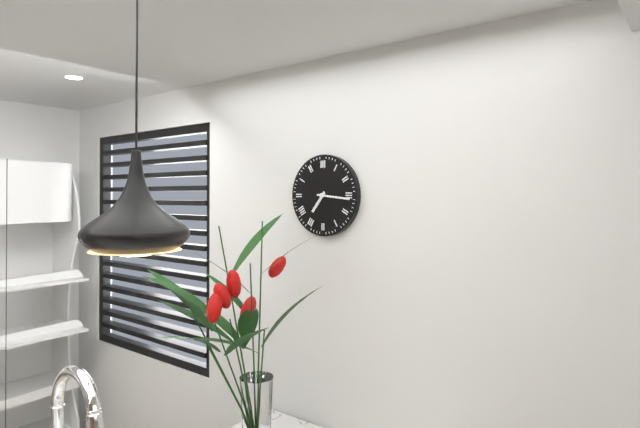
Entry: 7:16
